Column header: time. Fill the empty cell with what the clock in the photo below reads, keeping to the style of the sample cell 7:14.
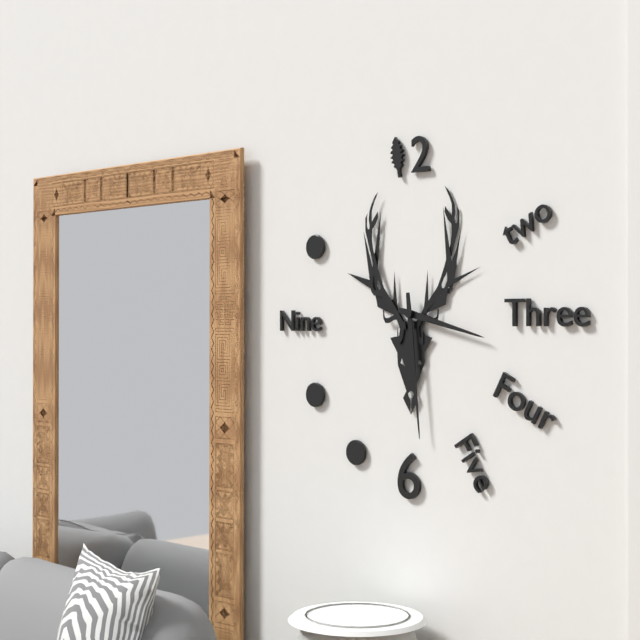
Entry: 3:29
